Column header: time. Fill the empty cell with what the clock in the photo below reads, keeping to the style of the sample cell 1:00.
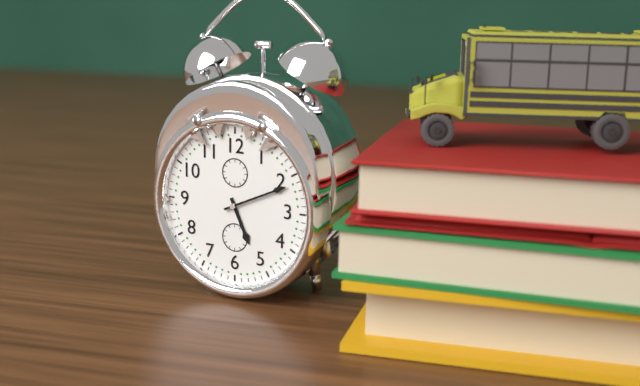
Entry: 5:11
